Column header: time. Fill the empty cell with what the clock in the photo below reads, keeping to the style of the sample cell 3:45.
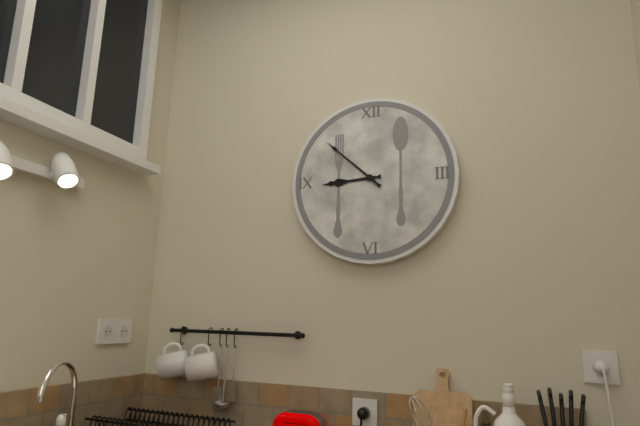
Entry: 8:52
